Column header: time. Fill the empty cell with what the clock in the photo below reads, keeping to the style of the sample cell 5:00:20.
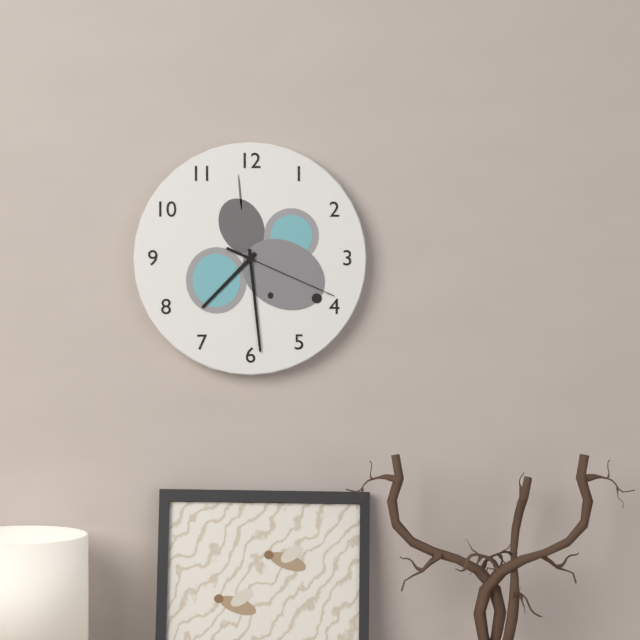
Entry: 7:29:19
